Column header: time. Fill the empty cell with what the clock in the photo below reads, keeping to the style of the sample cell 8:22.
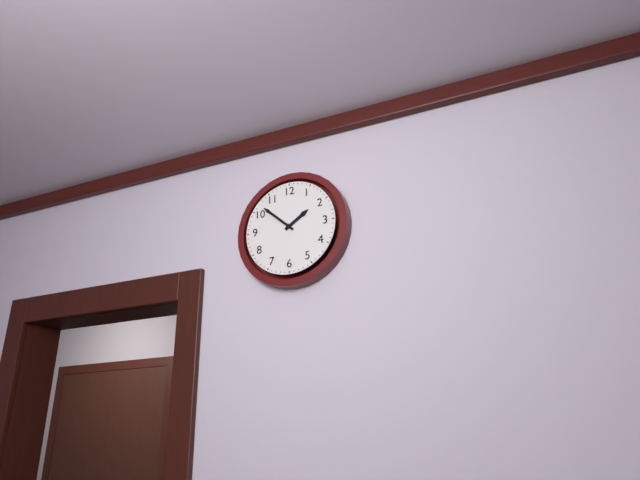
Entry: 1:52
